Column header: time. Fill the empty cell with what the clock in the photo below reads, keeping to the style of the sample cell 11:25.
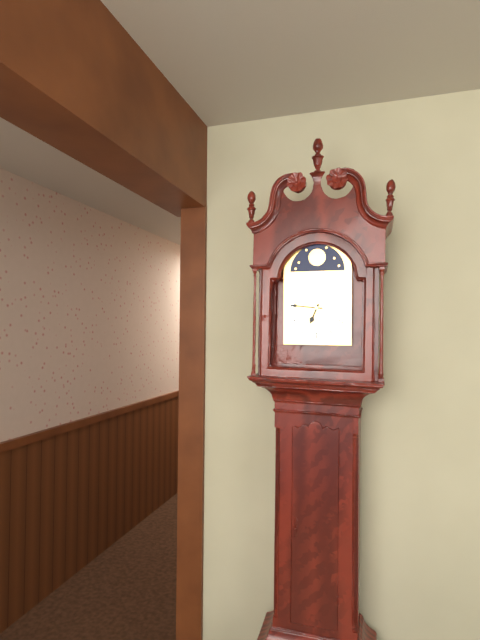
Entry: 6:46
